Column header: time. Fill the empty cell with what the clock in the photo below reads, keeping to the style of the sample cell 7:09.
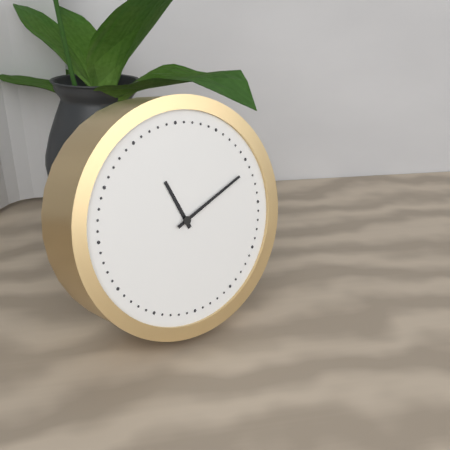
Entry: 11:11
